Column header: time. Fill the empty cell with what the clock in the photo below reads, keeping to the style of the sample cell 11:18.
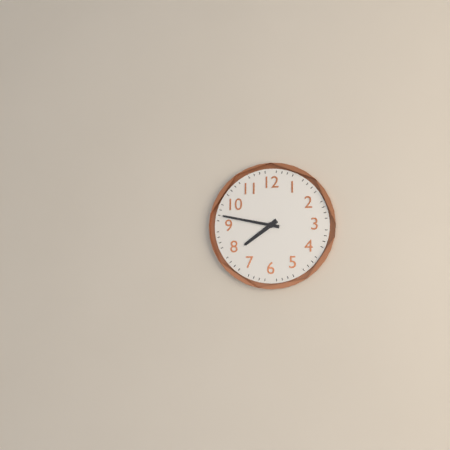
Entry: 7:47
